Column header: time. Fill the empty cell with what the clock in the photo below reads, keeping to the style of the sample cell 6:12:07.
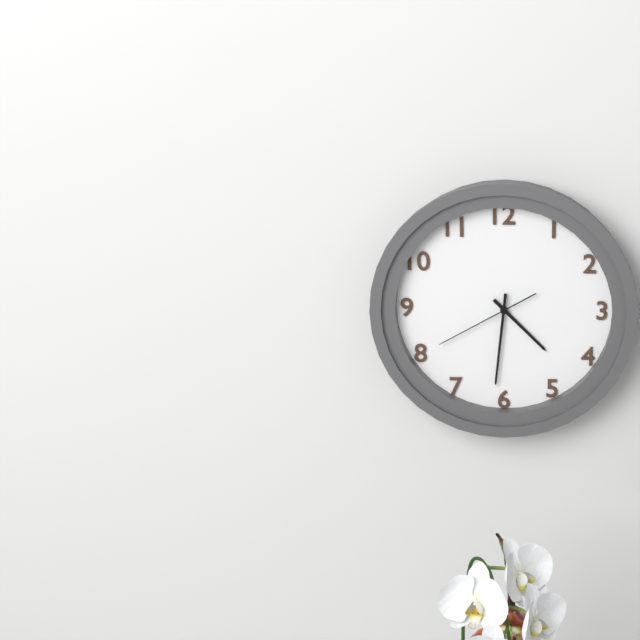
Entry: 4:31:40
